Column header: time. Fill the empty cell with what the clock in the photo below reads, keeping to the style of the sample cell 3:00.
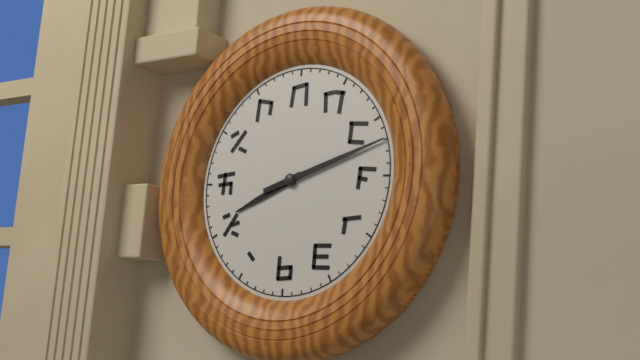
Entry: 8:12
